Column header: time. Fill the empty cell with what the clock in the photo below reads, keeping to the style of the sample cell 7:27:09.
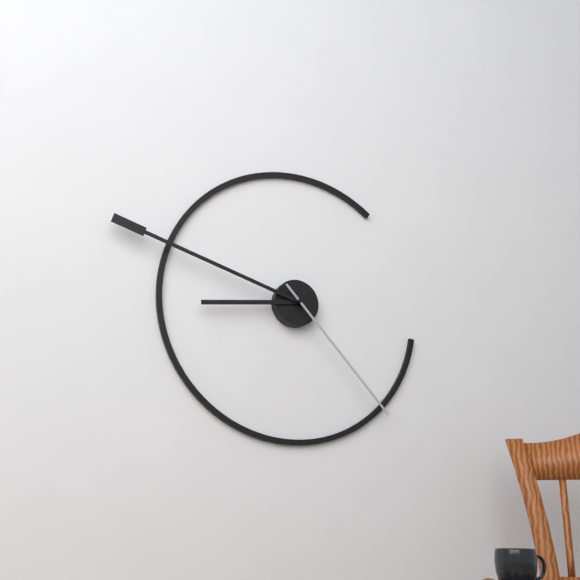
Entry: 8:48:23
